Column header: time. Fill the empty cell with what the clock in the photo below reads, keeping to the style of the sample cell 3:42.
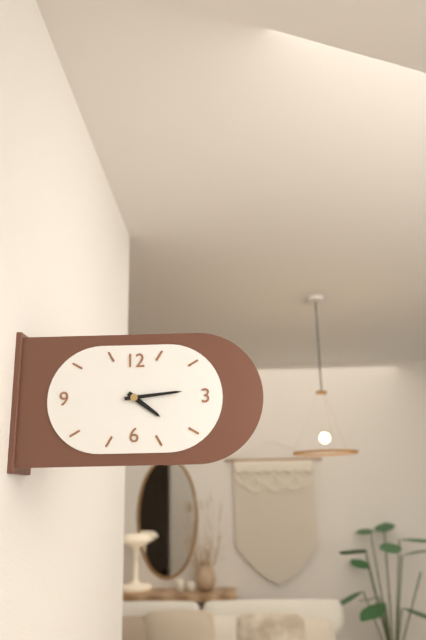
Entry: 4:14
